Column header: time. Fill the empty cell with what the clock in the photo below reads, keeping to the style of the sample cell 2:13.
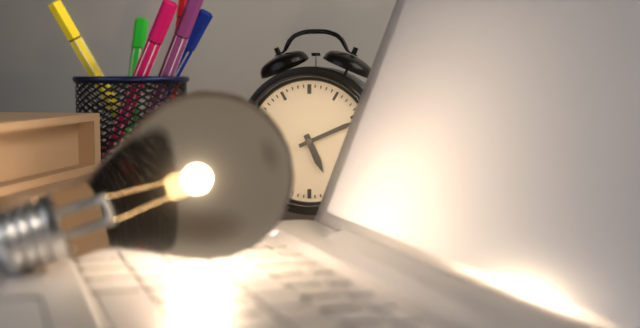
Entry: 5:11
